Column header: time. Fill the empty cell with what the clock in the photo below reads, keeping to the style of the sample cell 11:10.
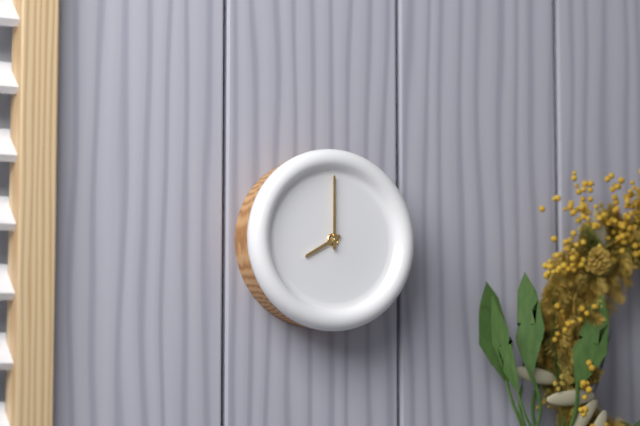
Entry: 8:00
